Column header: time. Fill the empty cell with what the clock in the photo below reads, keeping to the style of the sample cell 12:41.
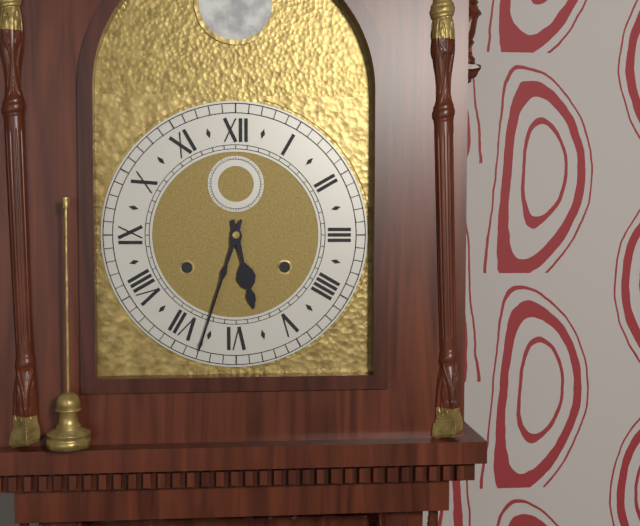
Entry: 5:33
